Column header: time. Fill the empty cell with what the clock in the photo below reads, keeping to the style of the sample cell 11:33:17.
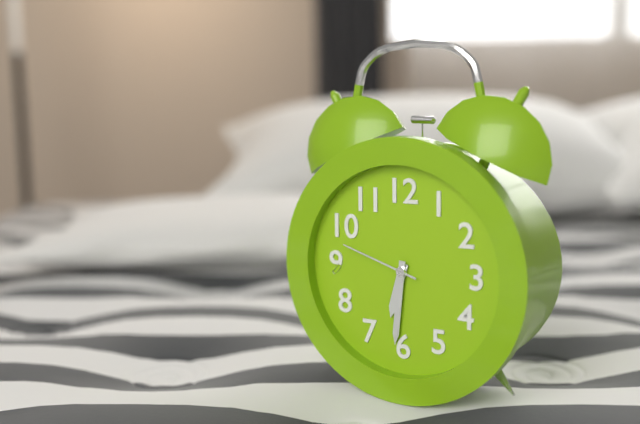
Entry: 6:31:48
